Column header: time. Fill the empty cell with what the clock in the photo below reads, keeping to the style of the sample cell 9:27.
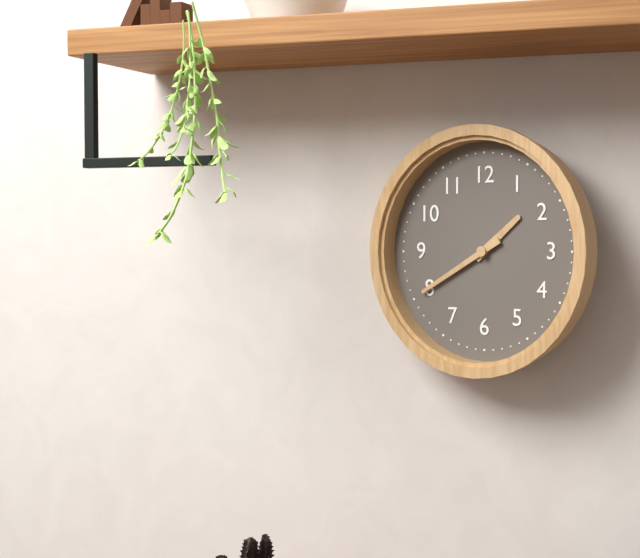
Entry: 1:40
